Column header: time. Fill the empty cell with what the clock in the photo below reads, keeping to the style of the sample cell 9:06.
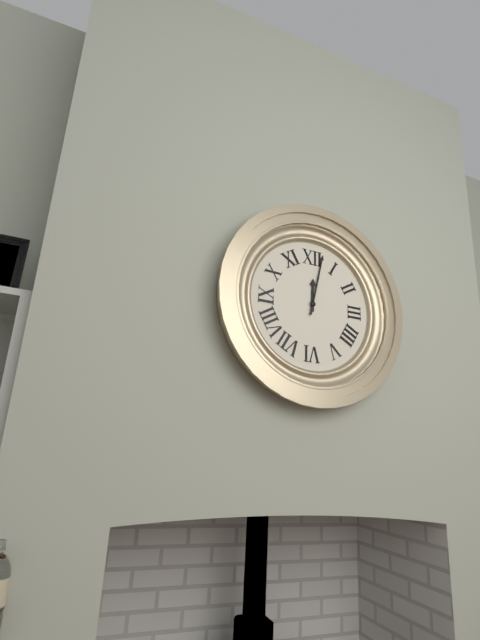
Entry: 12:02
